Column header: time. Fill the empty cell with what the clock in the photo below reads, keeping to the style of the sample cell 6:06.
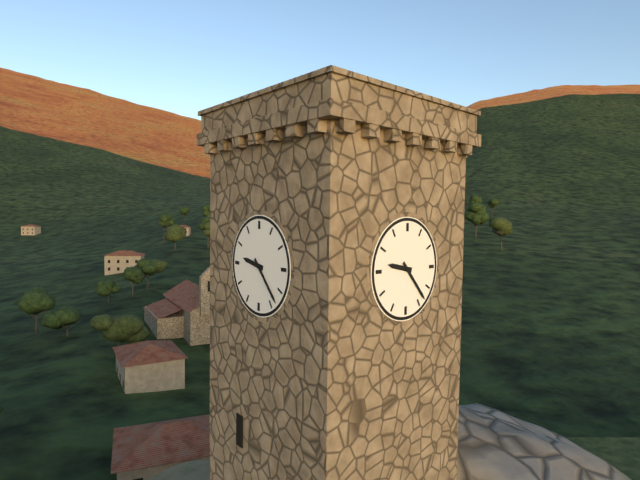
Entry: 9:23
